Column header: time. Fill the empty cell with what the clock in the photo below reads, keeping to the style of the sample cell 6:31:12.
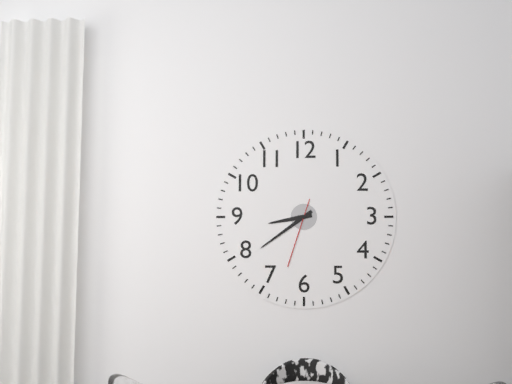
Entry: 8:39:33
